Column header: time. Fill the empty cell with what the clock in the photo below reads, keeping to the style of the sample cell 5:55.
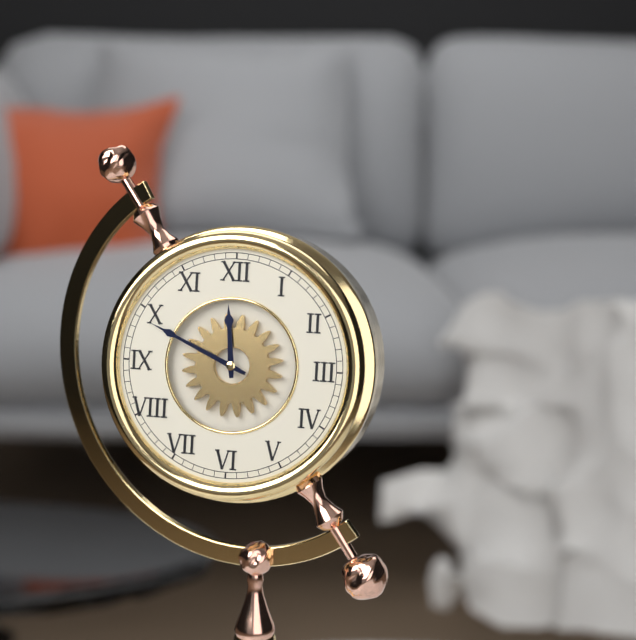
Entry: 11:49
